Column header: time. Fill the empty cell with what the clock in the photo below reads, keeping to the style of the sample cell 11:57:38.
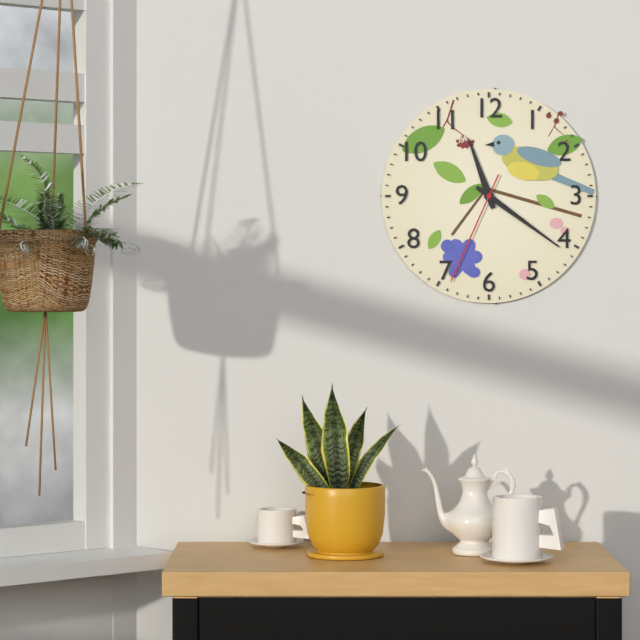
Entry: 11:21:34
